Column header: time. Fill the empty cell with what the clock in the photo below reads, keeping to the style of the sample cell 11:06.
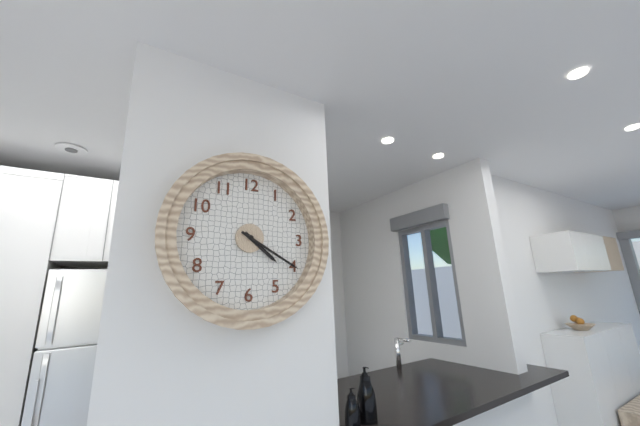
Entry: 4:20
